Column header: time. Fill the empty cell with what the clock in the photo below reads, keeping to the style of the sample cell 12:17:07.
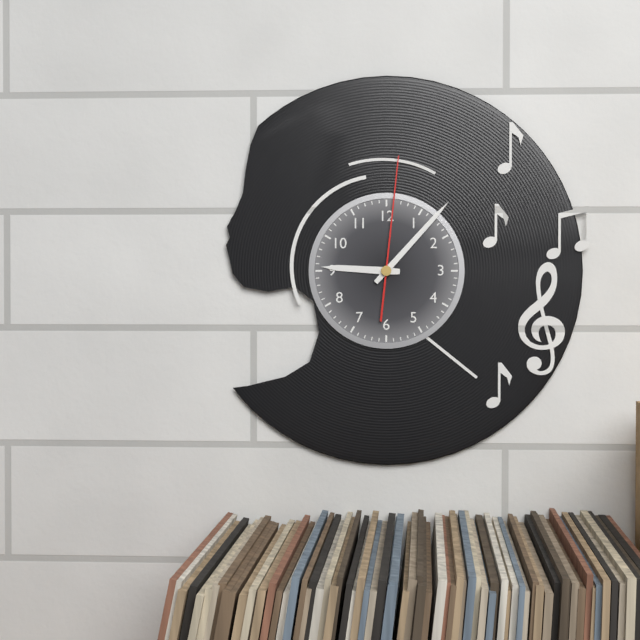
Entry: 9:07:01
